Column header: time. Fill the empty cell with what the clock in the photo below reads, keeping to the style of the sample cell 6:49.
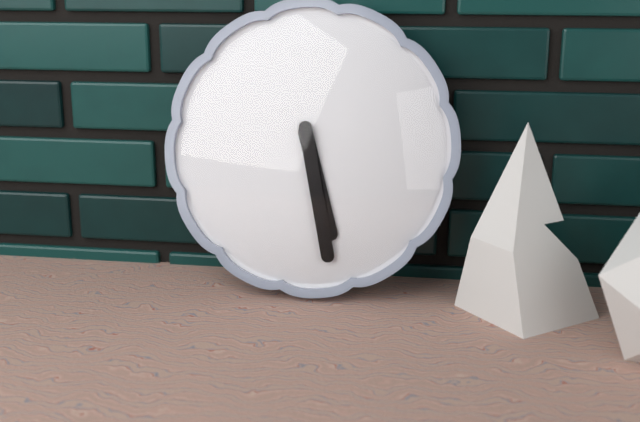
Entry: 5:28
